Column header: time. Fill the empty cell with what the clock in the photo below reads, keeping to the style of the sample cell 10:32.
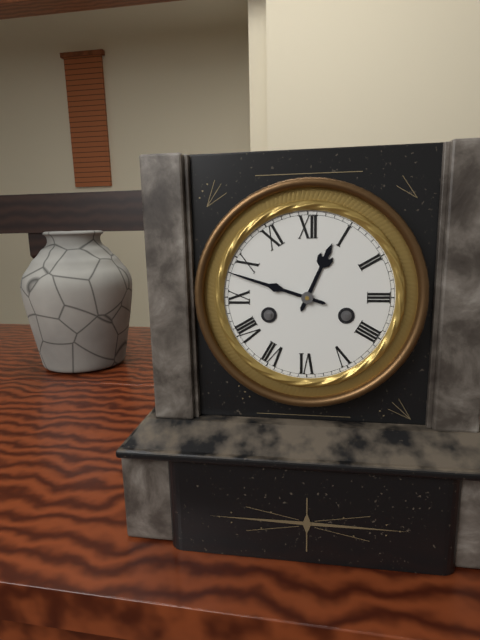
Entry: 12:48
